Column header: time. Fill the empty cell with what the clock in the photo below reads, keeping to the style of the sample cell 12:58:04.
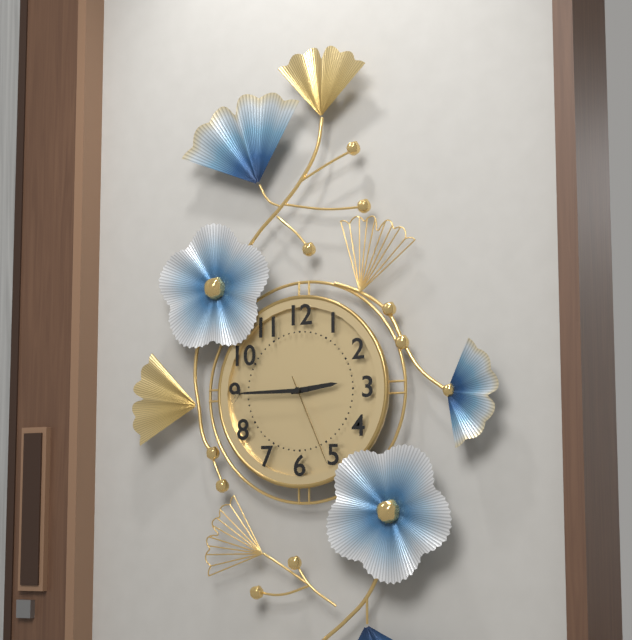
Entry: 2:45:26
